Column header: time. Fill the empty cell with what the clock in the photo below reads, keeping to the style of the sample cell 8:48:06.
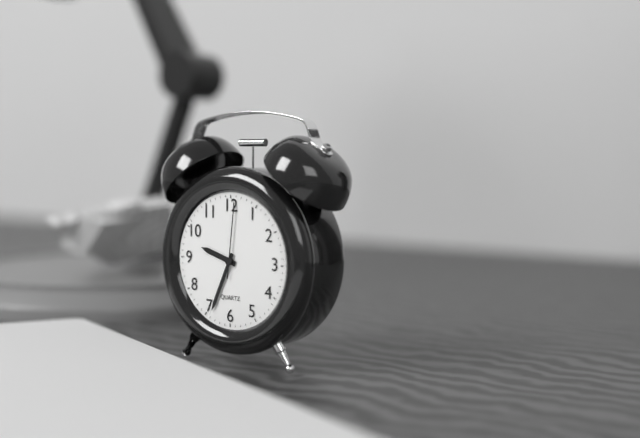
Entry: 9:34:01
